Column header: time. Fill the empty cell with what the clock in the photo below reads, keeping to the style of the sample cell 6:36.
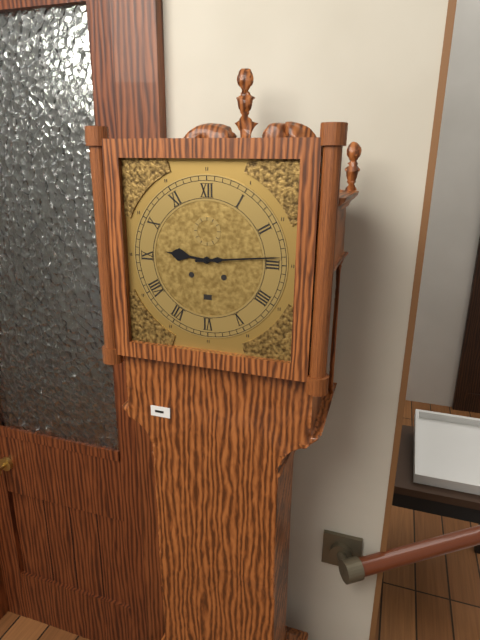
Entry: 9:14
